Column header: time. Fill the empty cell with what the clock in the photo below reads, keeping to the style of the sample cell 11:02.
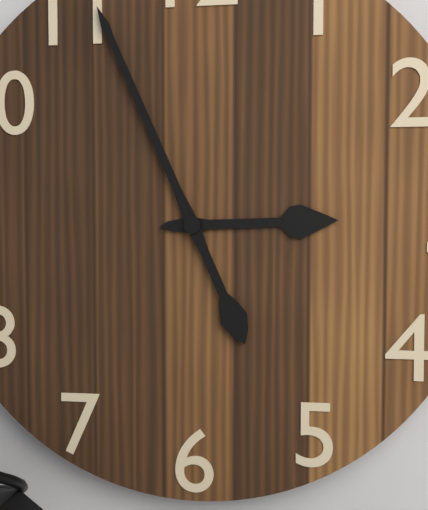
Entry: 2:56
